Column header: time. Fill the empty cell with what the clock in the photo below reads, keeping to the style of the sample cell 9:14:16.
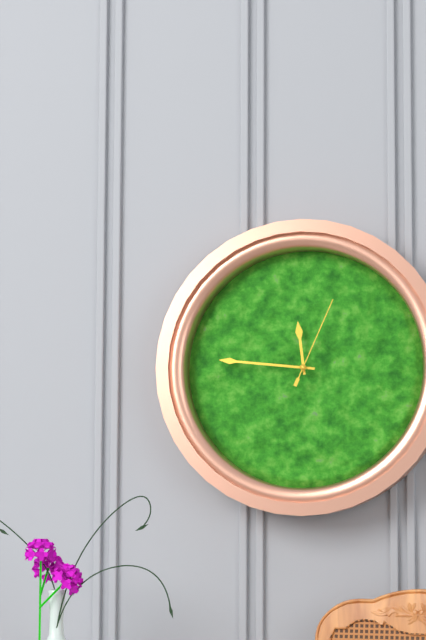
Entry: 11:46:04
